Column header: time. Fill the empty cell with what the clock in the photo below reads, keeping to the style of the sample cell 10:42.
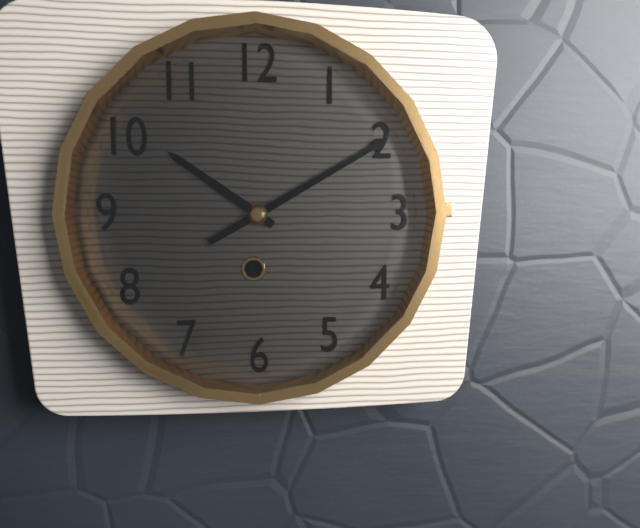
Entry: 10:10
